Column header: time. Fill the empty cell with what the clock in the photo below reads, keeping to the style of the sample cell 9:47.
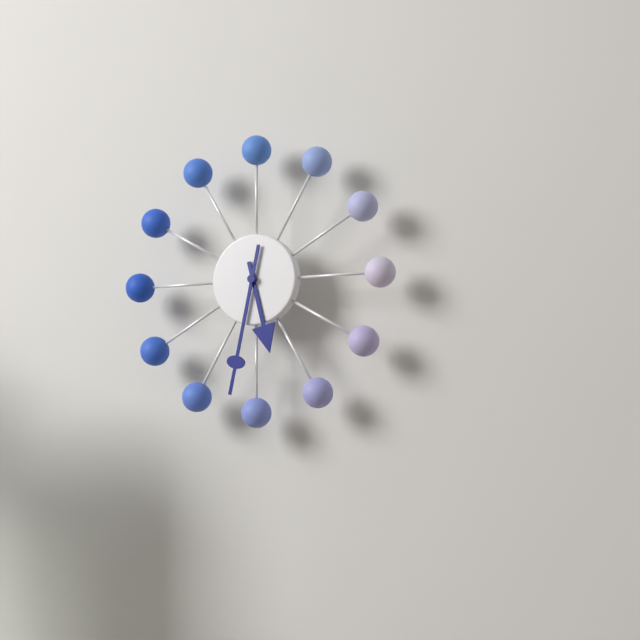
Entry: 5:32
